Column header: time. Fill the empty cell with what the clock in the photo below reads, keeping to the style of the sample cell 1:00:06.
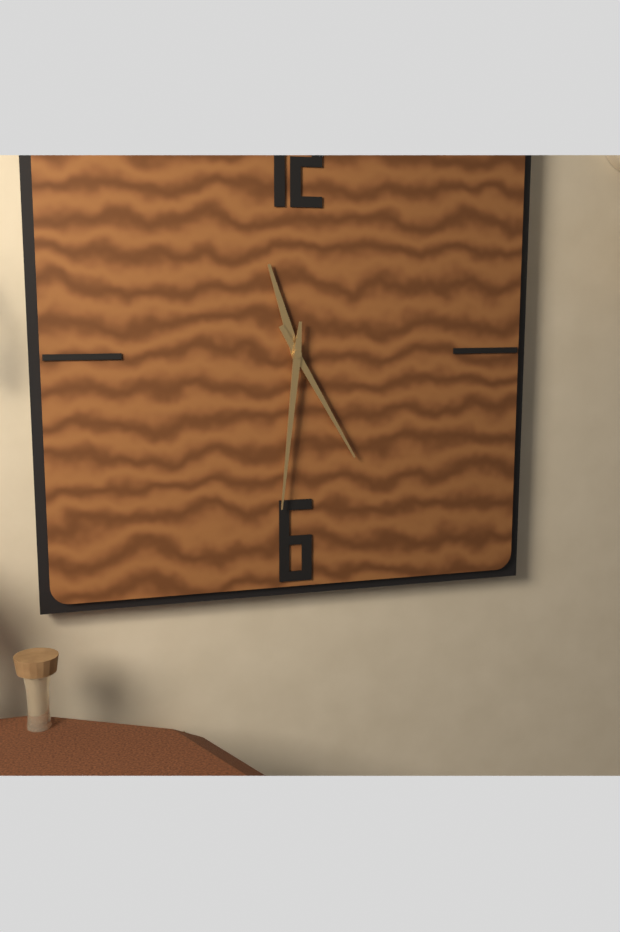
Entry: 11:25:31
